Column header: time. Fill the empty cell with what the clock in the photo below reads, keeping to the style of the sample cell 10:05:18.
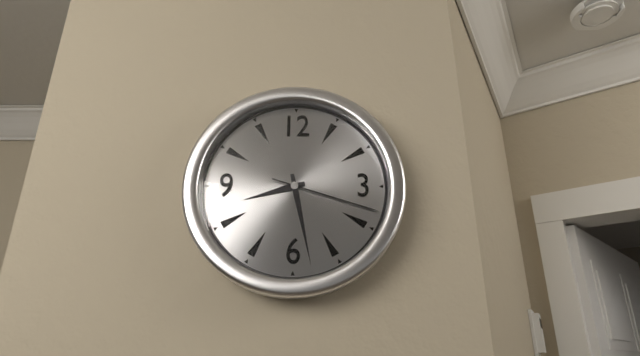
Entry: 8:28:18
